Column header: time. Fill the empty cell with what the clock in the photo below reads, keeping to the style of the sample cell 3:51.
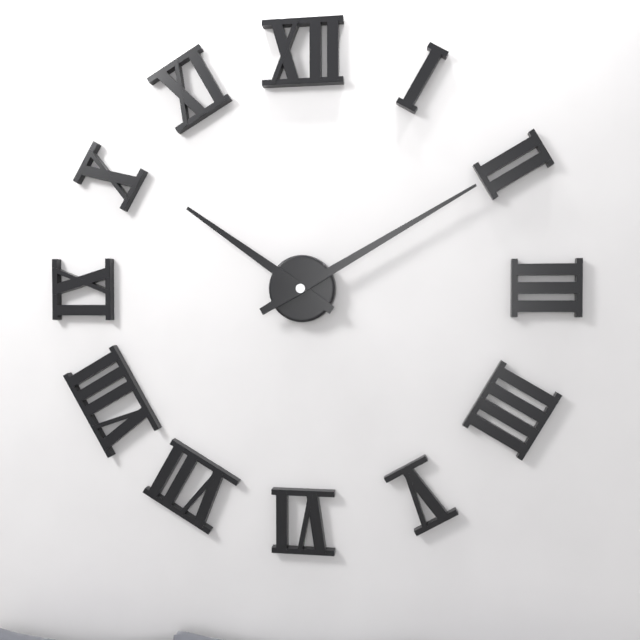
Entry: 10:10
